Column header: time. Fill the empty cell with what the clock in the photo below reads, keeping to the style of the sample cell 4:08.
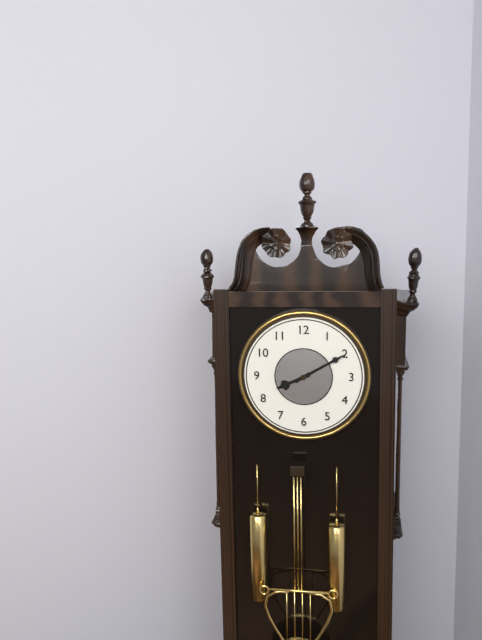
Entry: 8:10
